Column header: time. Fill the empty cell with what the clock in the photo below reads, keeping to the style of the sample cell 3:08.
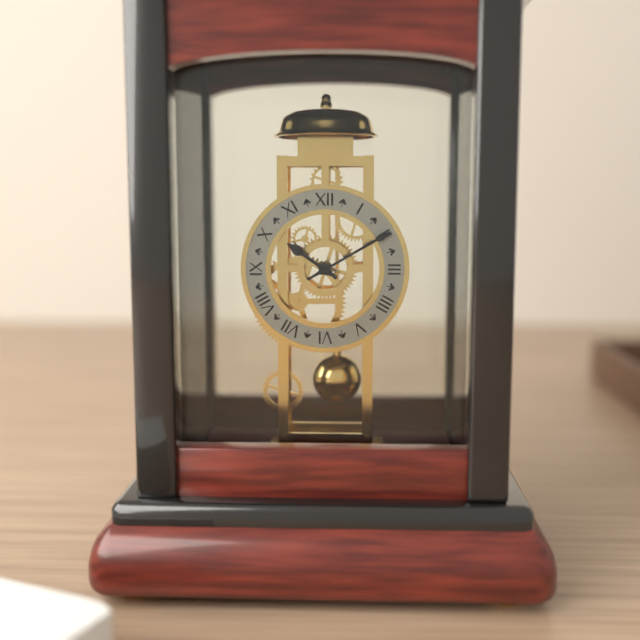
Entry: 10:10
